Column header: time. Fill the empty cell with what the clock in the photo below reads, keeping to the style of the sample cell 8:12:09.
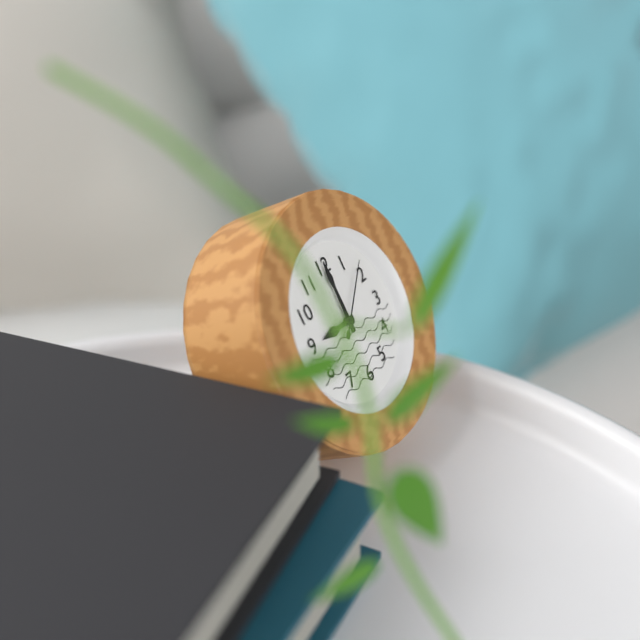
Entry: 9:00:08
